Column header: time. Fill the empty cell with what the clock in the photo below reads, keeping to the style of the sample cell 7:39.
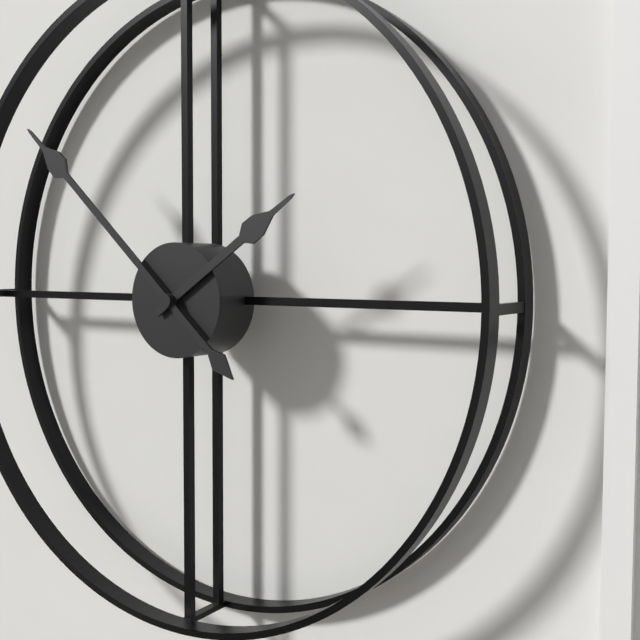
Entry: 1:52
